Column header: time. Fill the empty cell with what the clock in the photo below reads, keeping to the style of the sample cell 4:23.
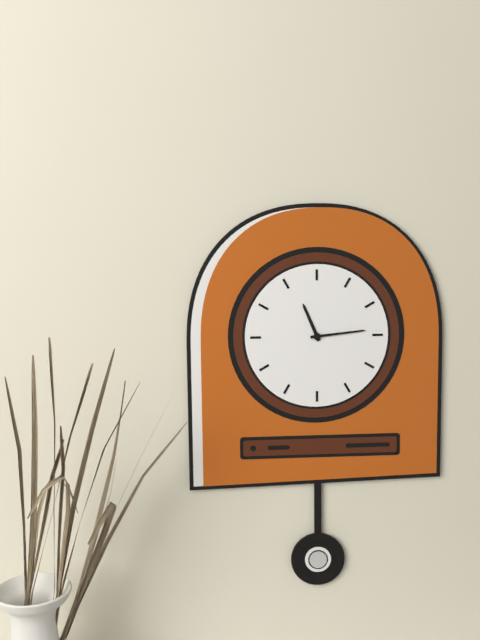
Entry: 11:14
